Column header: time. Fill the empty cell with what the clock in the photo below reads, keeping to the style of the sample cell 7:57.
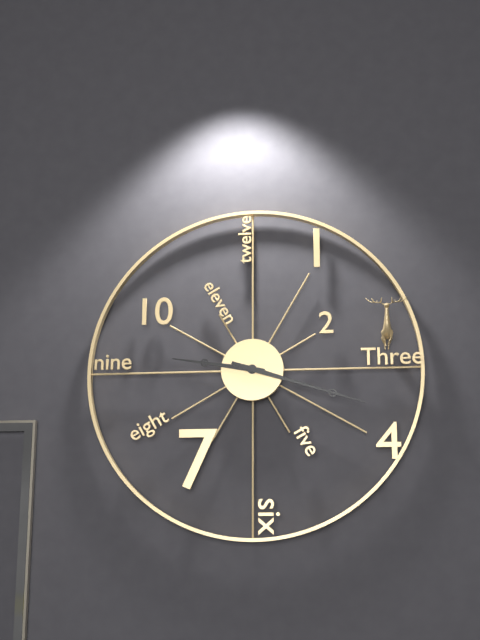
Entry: 9:18
